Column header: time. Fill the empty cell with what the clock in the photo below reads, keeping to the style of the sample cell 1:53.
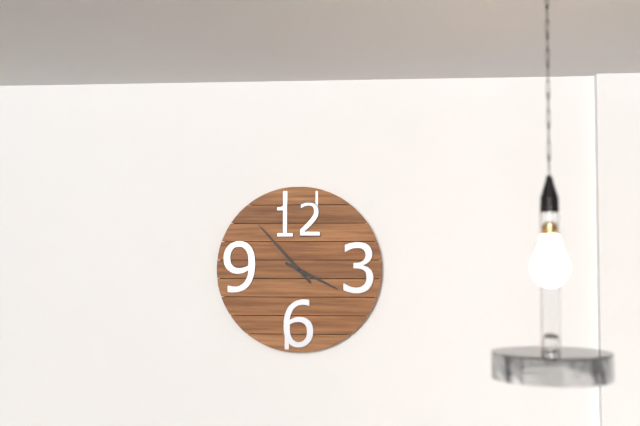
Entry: 3:53
